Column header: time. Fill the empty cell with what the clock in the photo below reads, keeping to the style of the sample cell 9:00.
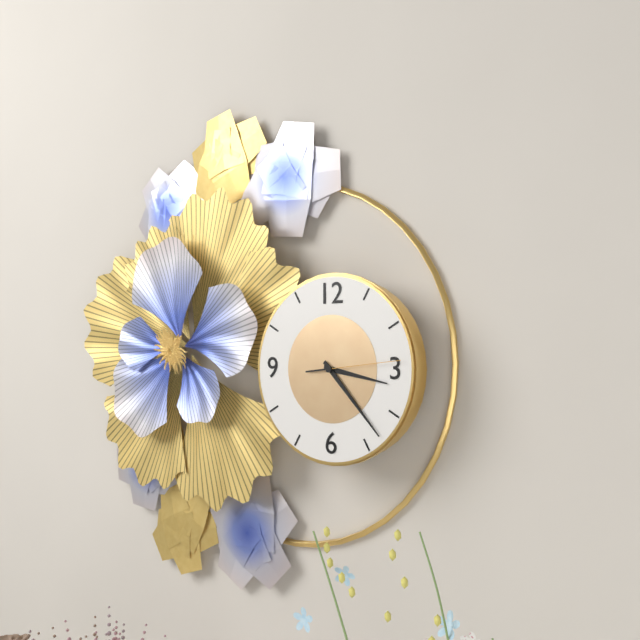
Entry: 3:23
